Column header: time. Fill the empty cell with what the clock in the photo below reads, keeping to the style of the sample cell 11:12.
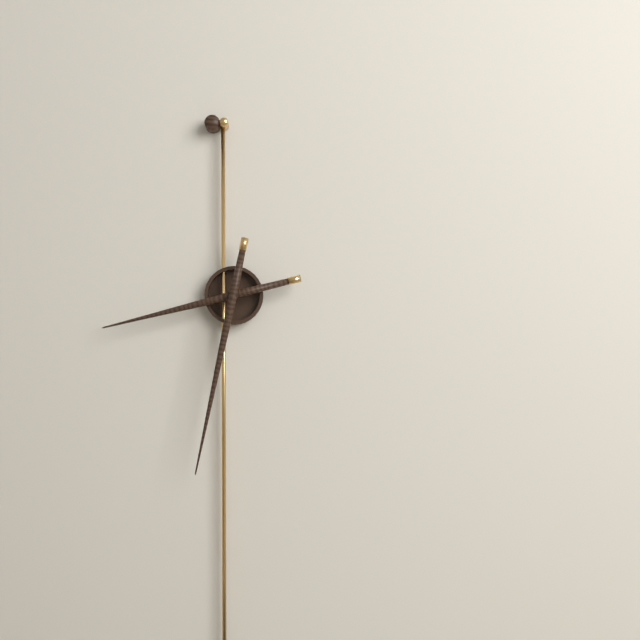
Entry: 8:32
